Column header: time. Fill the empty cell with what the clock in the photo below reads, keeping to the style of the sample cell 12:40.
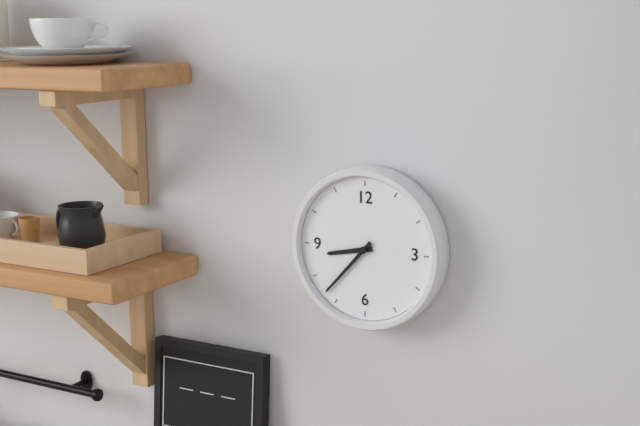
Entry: 8:37
